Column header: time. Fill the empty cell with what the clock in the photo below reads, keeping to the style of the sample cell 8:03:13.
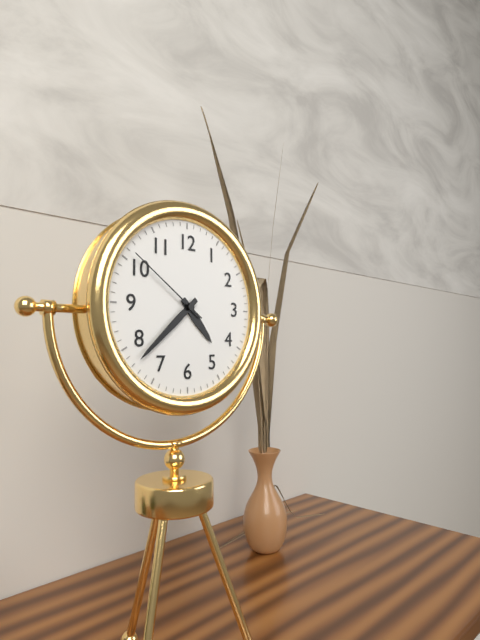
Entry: 4:38:51
